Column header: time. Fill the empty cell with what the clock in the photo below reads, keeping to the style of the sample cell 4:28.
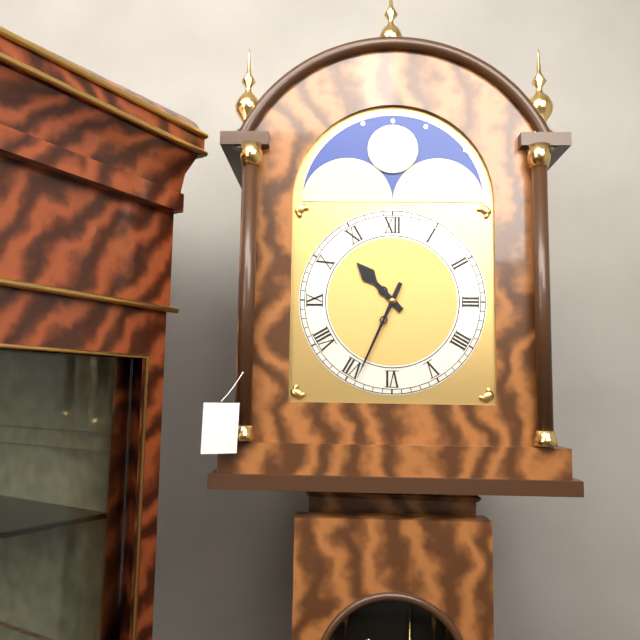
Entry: 10:34
